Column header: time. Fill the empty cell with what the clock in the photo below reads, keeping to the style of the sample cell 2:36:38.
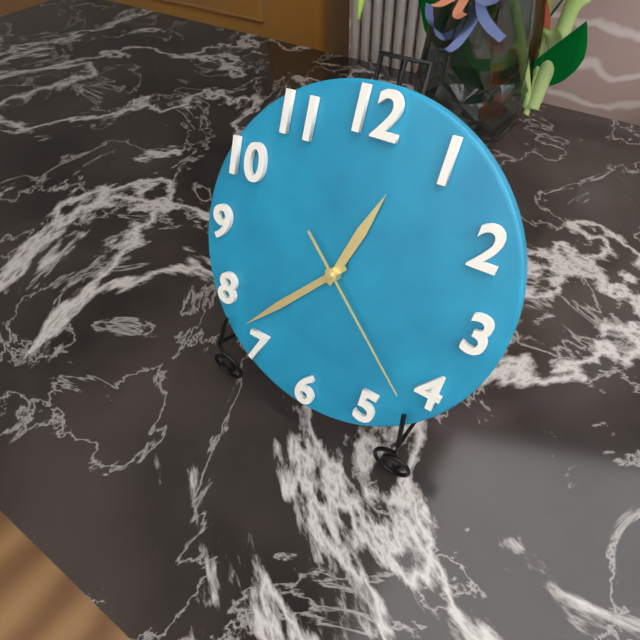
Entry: 12:37:22
